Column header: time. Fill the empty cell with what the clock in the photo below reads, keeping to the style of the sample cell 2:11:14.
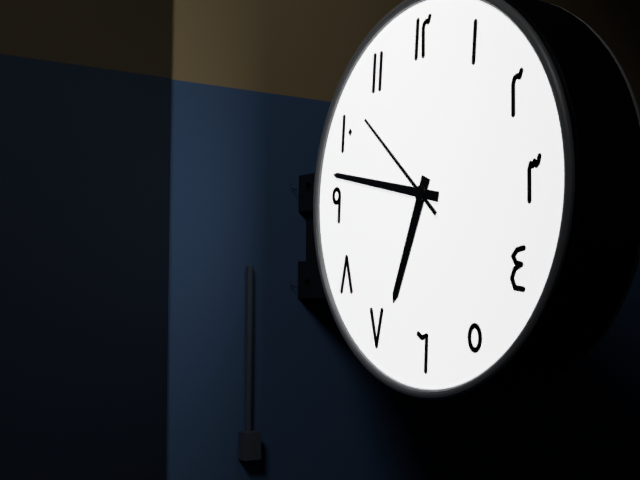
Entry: 6:47:52
